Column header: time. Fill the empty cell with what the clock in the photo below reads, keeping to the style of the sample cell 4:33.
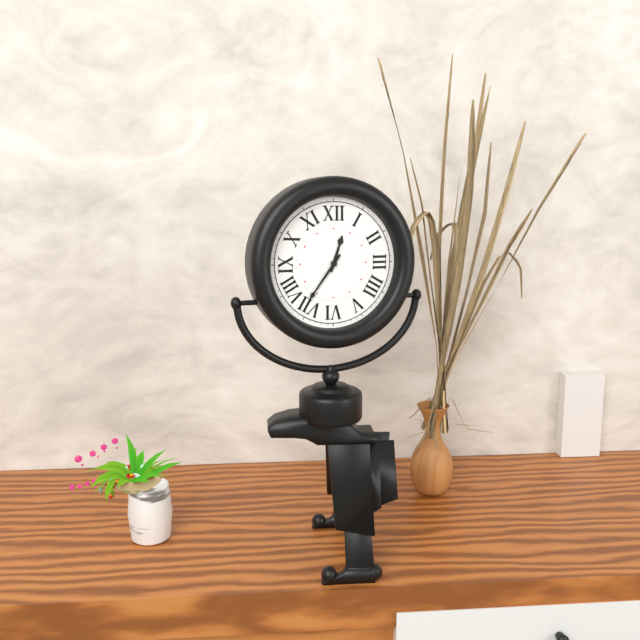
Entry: 12:36
